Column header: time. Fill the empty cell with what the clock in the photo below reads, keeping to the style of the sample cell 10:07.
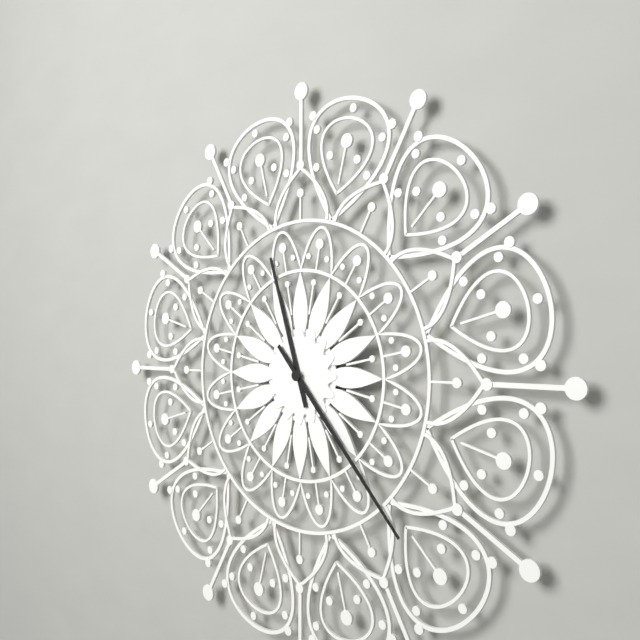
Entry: 11:23
